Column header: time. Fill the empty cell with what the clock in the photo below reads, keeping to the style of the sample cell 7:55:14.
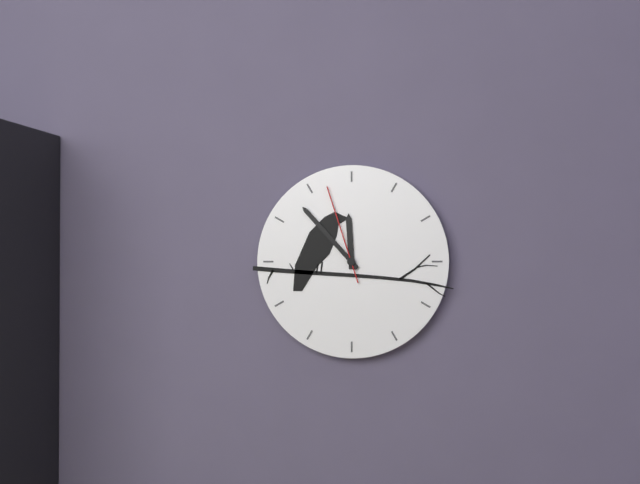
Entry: 11:53:57
